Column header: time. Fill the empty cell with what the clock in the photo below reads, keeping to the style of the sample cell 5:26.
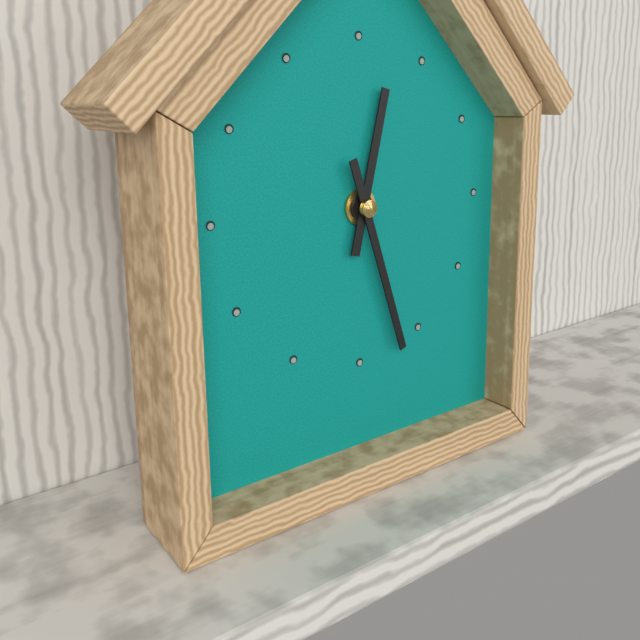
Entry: 12:27
